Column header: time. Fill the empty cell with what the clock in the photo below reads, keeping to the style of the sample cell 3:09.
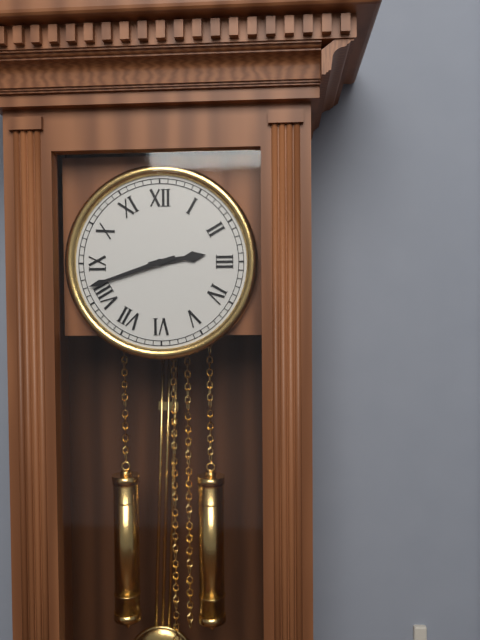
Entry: 2:42
